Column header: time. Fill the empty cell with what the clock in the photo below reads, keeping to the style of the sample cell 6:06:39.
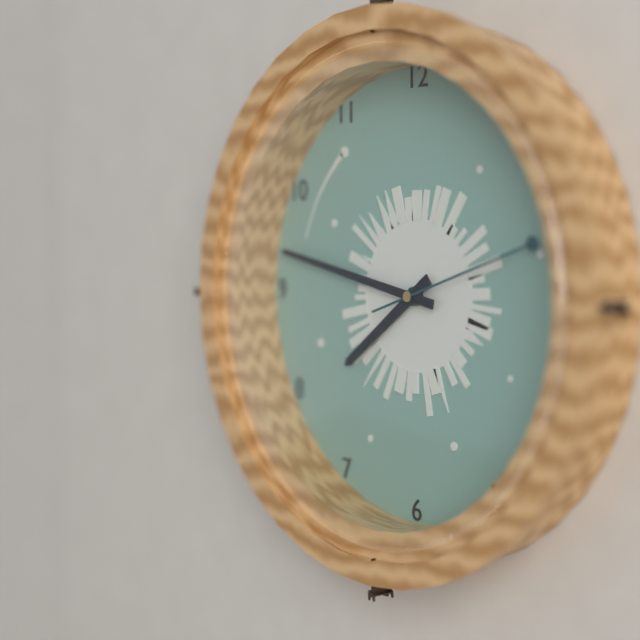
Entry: 7:47:12
